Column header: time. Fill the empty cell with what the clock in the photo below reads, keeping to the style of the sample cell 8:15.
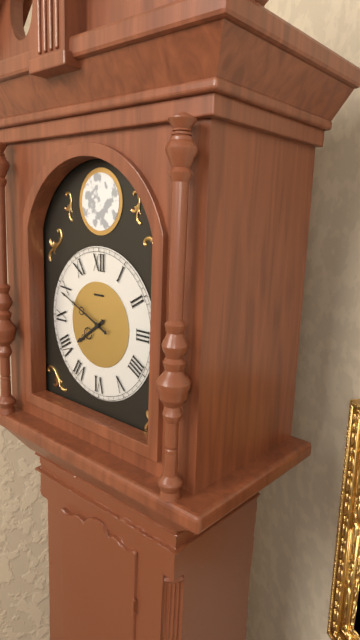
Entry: 7:49
